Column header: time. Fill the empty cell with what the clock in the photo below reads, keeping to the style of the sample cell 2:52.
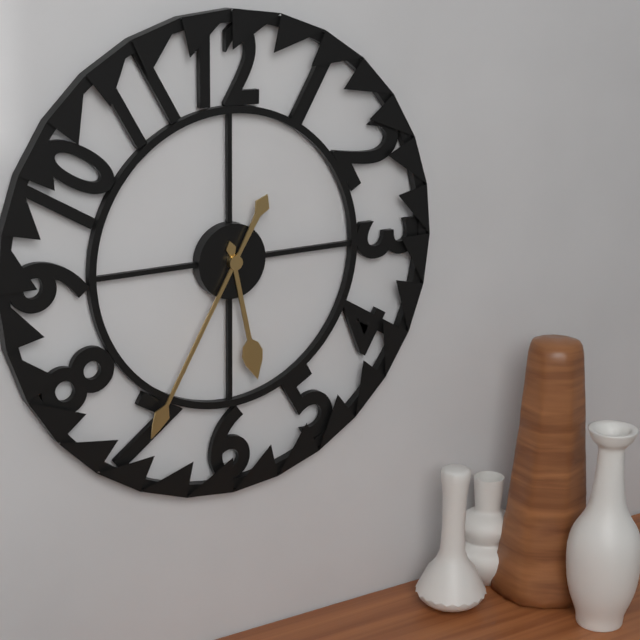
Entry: 5:35
